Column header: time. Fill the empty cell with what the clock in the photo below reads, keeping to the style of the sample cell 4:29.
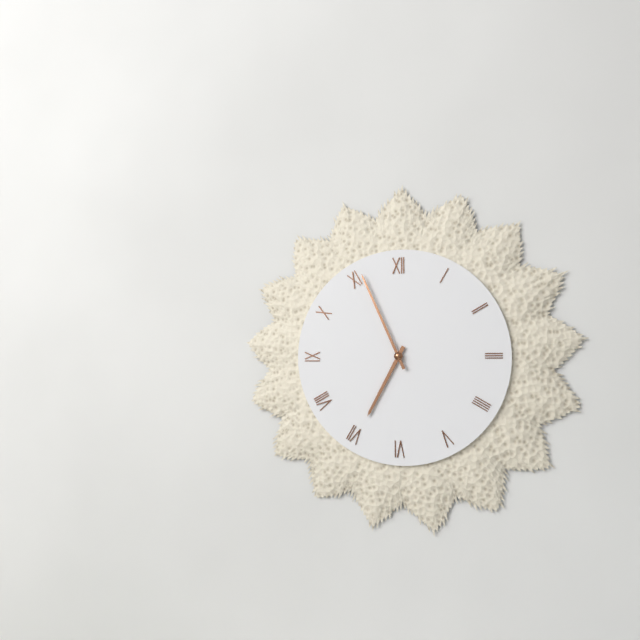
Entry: 6:56
